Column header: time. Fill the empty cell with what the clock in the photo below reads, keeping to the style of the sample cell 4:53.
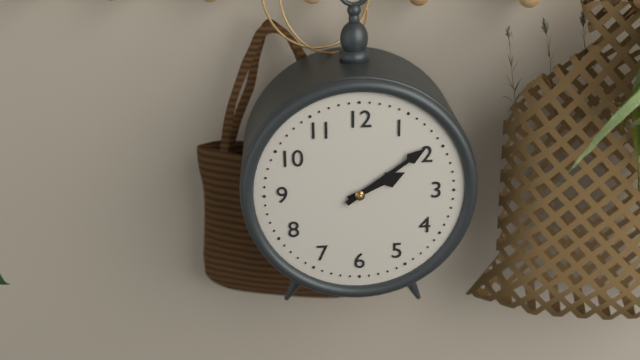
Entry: 2:09
